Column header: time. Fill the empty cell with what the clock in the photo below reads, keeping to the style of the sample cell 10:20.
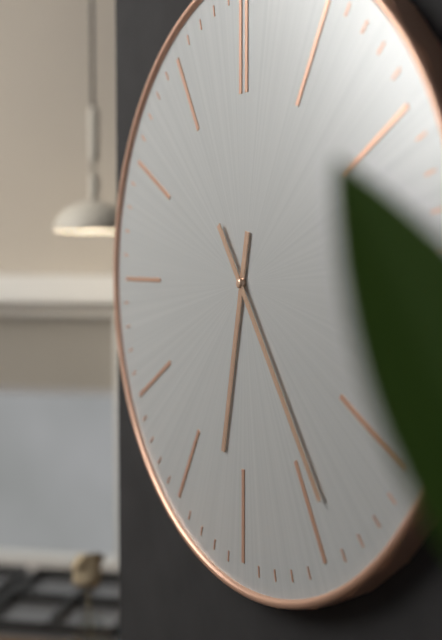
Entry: 6:24
